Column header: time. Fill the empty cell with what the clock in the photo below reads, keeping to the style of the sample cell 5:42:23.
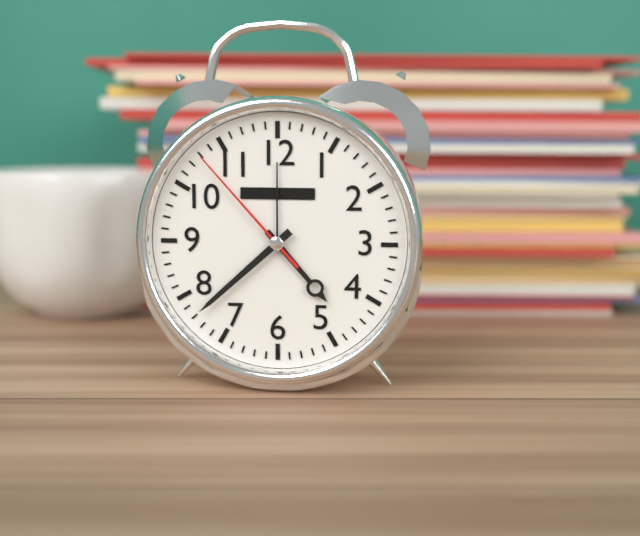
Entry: 4:38:53
